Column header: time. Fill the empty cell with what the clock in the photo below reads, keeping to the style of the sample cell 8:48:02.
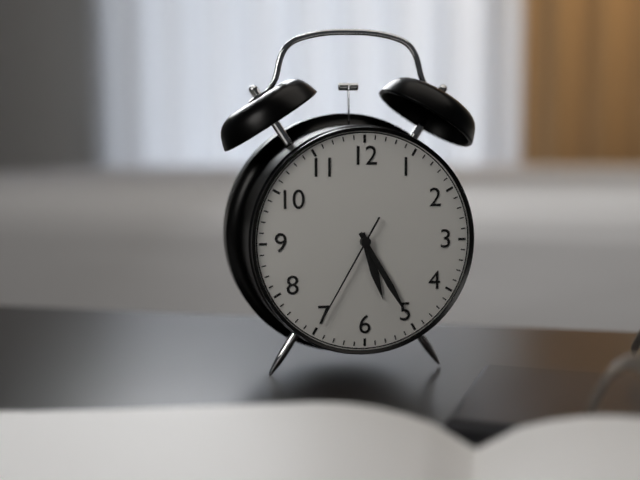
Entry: 5:25:35
